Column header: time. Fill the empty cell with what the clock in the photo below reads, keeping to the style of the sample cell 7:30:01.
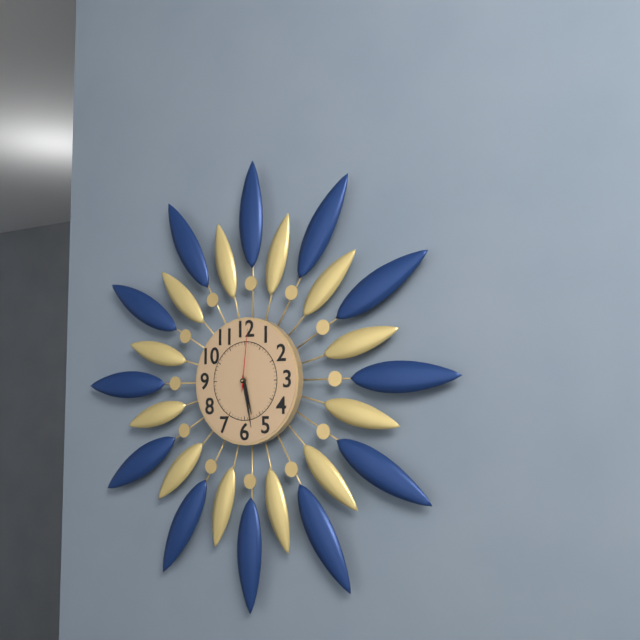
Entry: 5:28:01
